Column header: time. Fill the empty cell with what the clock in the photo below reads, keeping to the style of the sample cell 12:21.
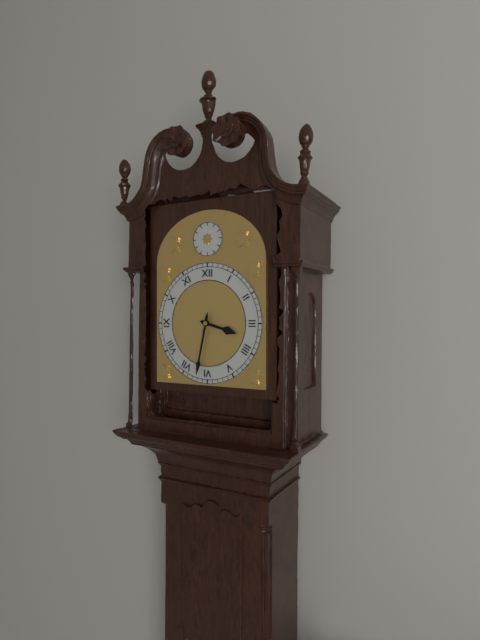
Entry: 3:32
